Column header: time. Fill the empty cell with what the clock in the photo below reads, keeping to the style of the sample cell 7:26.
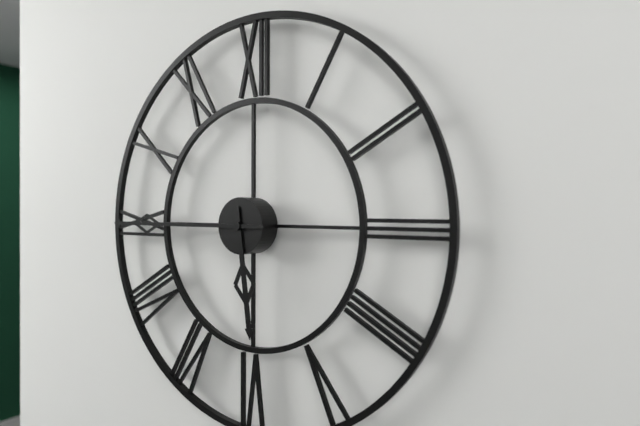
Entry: 5:45
